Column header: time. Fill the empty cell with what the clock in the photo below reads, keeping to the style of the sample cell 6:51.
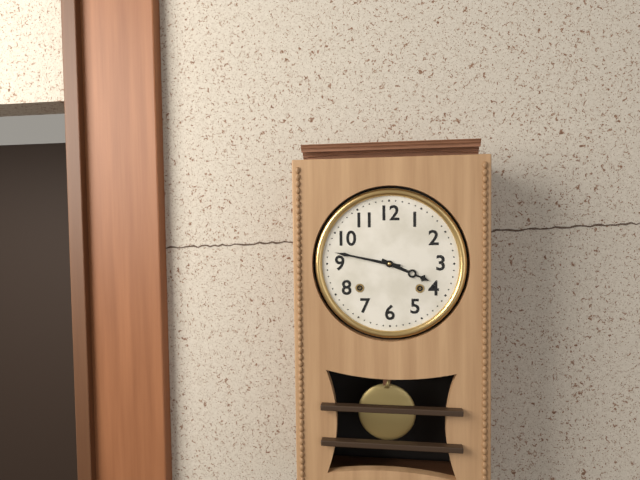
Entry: 3:47
